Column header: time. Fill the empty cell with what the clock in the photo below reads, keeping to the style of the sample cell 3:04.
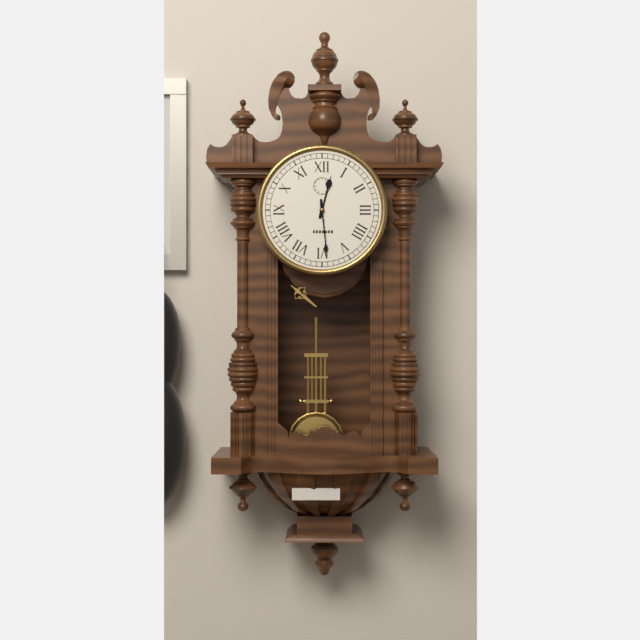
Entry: 12:29
